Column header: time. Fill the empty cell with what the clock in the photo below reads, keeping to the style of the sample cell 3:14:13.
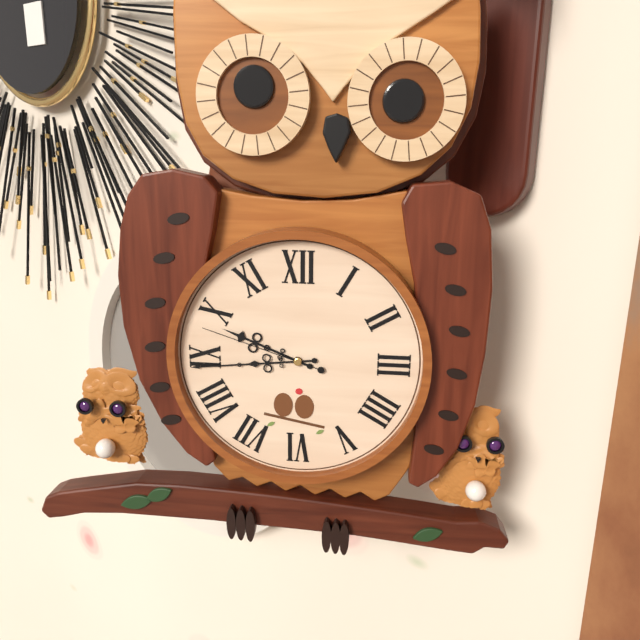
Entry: 9:44:48
